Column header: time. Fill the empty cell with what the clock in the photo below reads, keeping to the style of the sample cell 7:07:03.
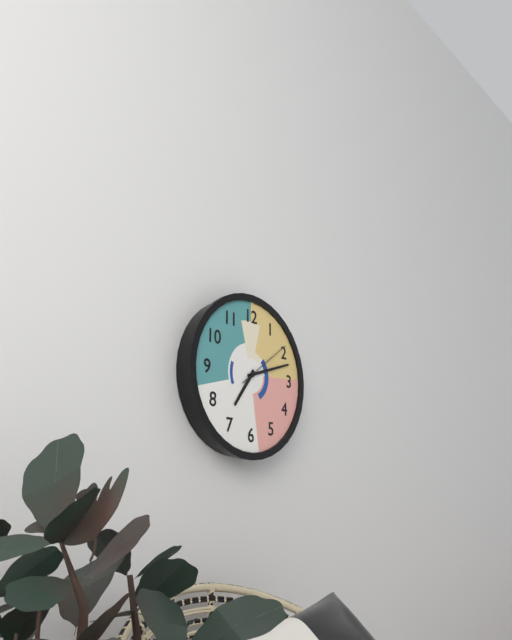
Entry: 7:12:09
